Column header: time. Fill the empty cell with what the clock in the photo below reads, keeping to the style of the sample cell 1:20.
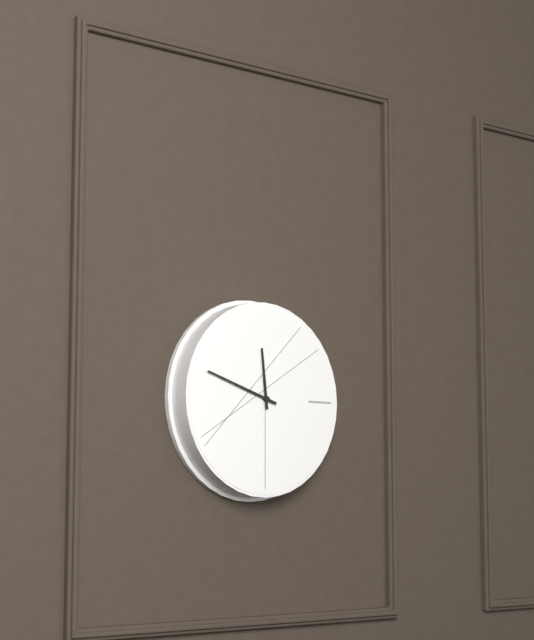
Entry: 11:48
